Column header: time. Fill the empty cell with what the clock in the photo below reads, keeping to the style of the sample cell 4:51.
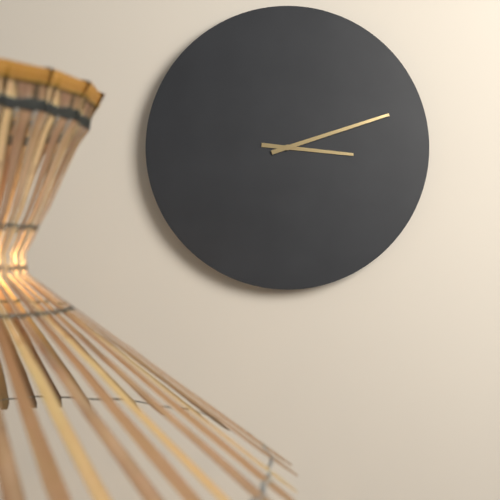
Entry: 3:12
